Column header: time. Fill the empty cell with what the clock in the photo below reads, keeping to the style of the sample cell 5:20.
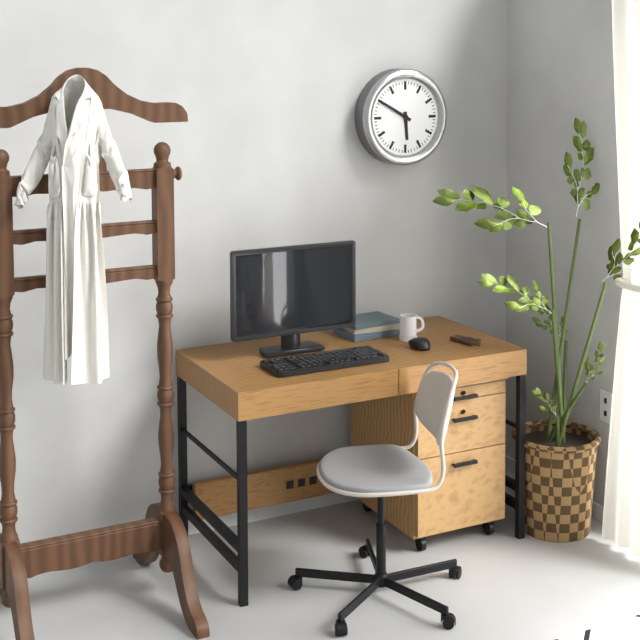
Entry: 5:50
